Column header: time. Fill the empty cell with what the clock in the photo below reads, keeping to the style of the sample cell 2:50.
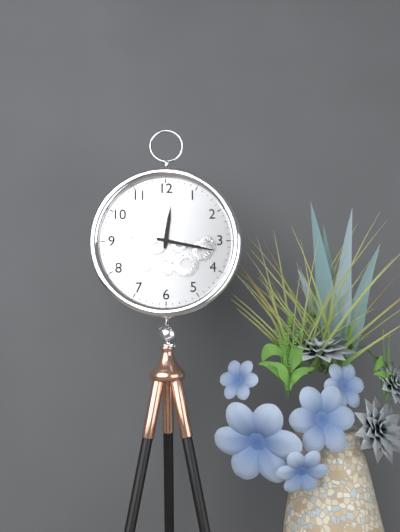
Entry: 12:17
